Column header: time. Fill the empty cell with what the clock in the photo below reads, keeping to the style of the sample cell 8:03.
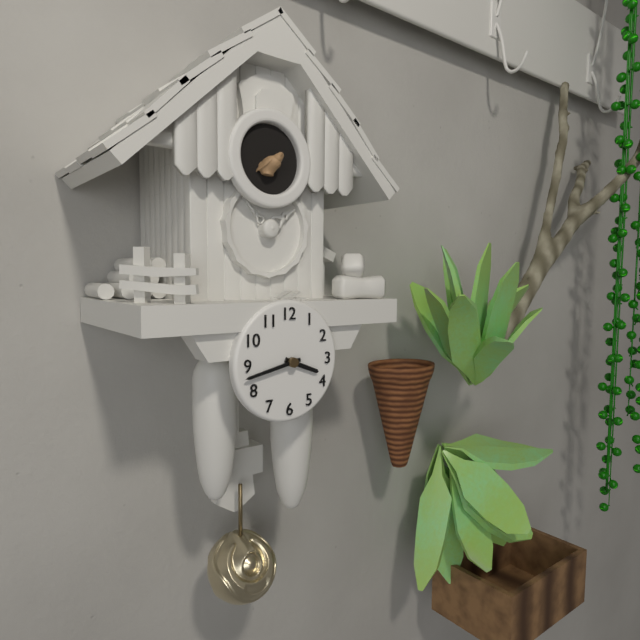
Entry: 3:43
